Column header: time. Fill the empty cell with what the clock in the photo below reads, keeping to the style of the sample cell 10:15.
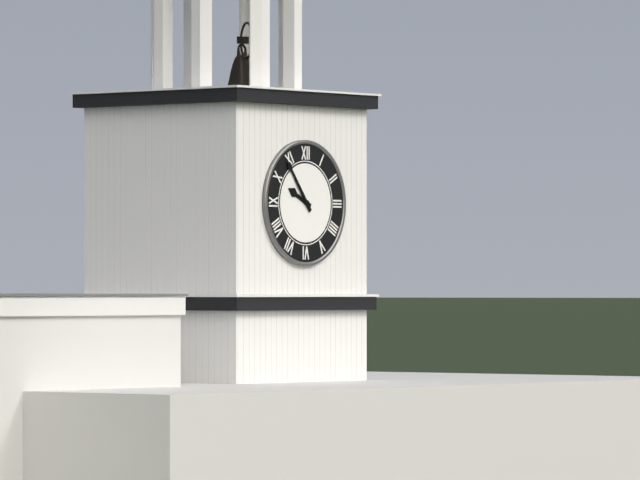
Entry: 9:54
